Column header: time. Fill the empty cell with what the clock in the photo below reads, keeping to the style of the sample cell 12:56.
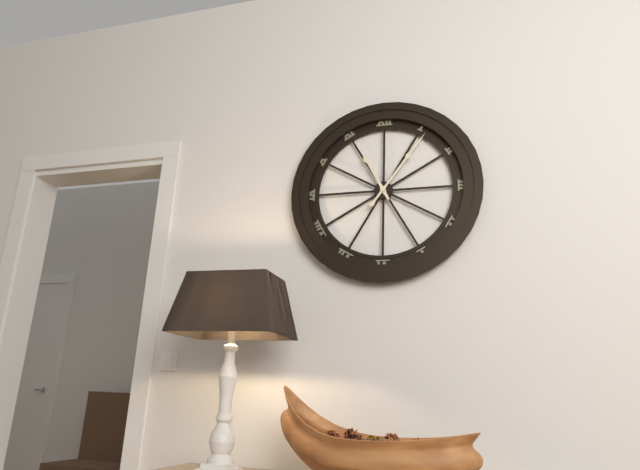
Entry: 11:06
